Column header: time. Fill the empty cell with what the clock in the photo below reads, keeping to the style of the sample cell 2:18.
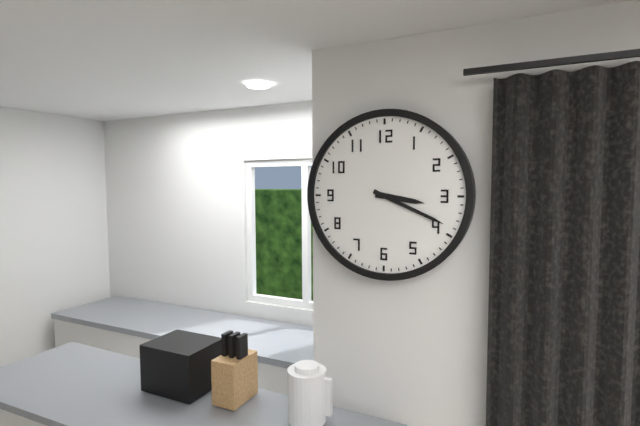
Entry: 3:19
